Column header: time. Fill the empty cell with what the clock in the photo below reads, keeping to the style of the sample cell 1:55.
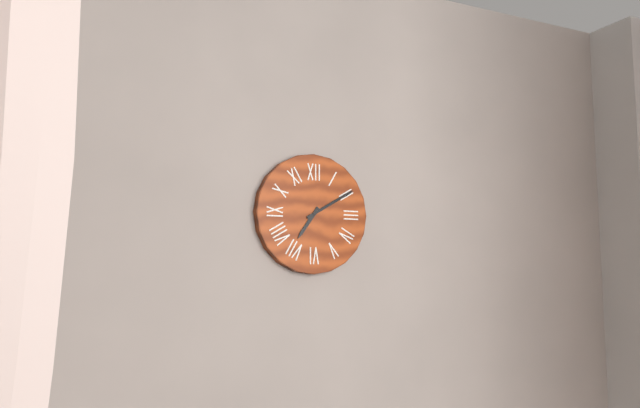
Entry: 7:10
